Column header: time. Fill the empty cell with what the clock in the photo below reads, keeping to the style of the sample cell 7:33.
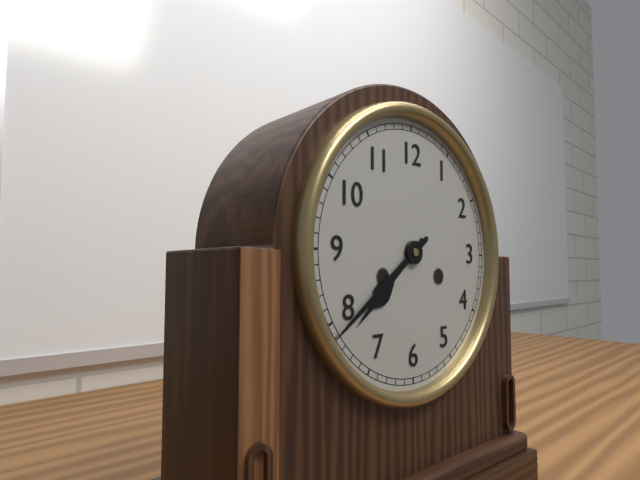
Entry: 7:39
